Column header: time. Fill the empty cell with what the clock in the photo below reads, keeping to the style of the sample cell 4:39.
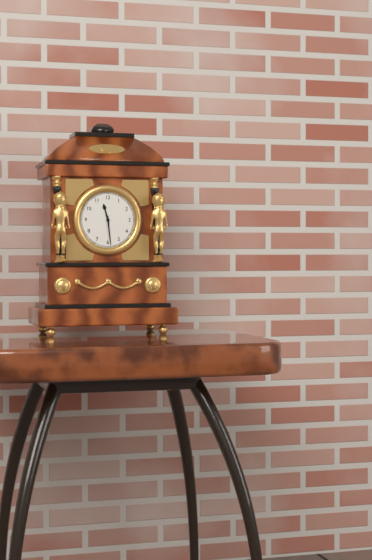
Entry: 11:29
